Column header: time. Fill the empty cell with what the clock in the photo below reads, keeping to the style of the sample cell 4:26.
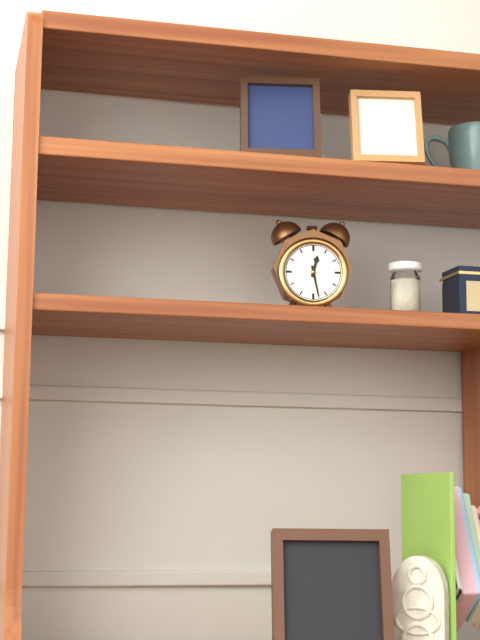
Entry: 12:28
